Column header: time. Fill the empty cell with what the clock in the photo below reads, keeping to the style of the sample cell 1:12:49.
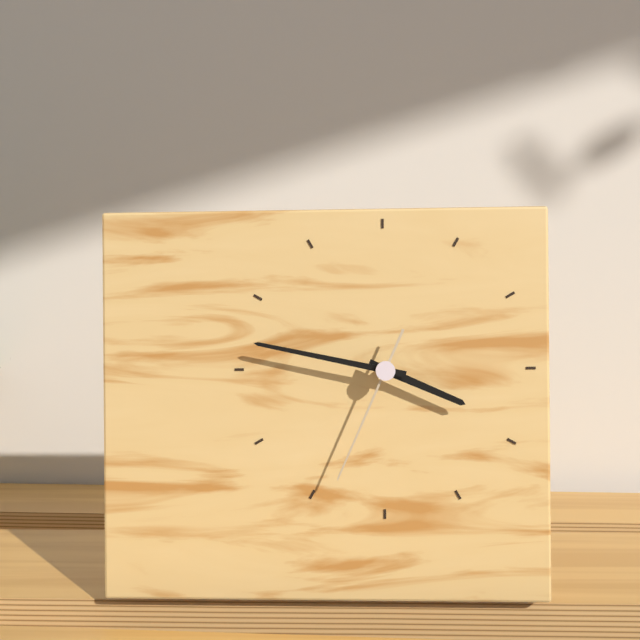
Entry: 3:47:34
